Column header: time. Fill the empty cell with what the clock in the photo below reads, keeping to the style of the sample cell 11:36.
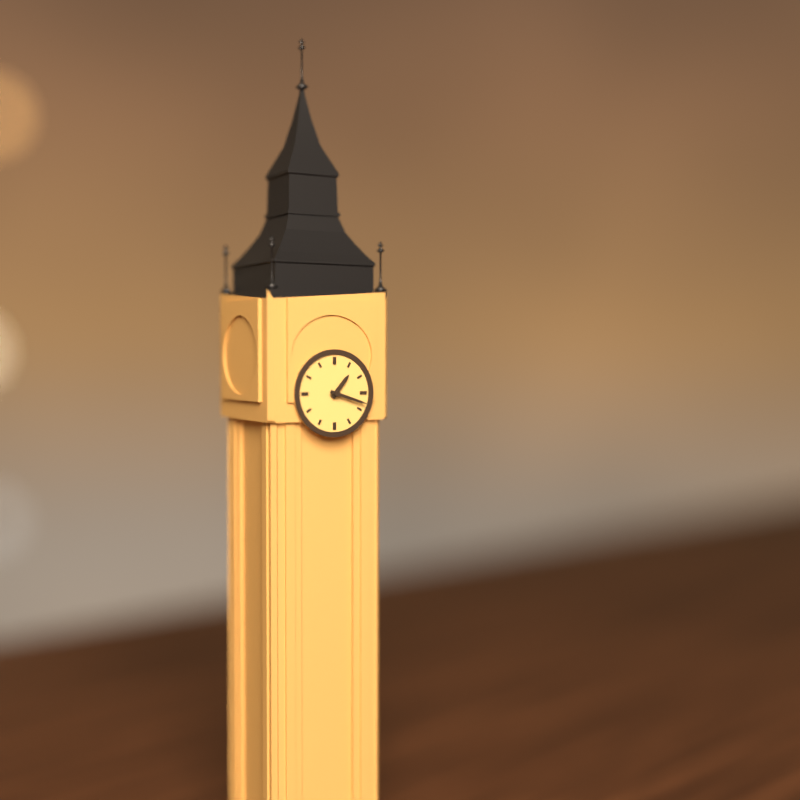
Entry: 1:18
